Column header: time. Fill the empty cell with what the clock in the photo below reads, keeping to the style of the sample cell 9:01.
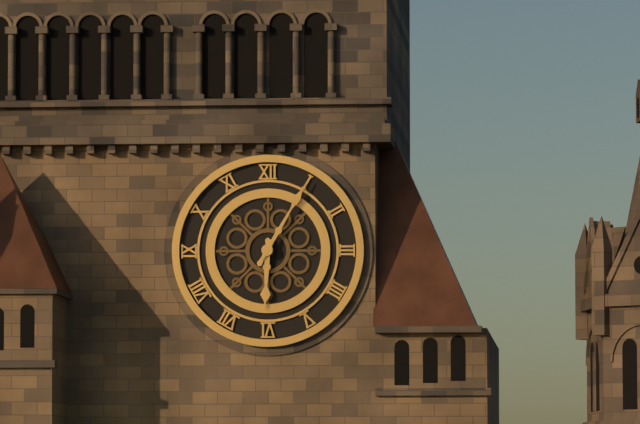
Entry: 6:05
